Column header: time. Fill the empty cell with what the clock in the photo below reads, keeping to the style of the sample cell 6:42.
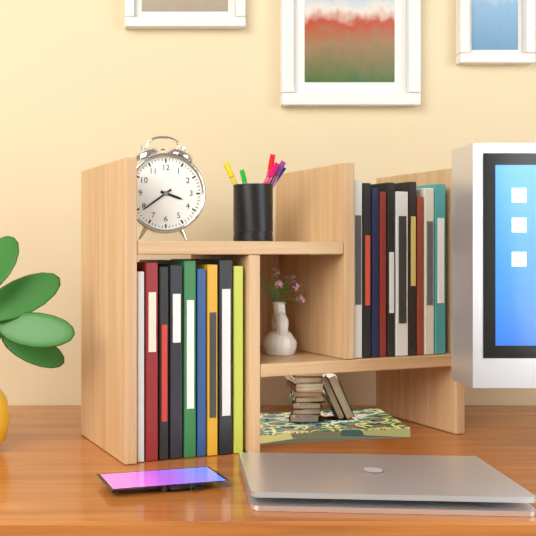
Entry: 3:39
